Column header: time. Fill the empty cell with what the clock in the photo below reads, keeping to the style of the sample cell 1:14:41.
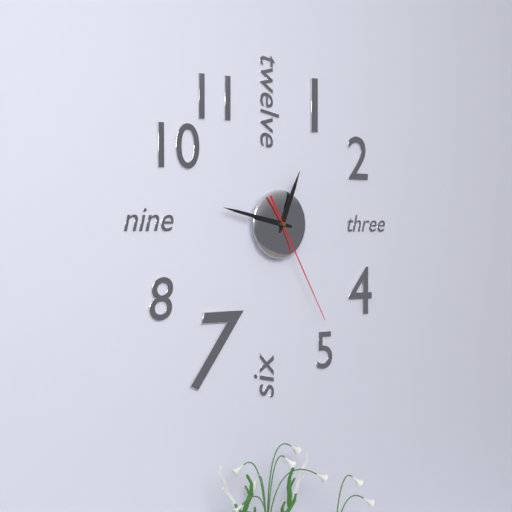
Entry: 12:47:25
